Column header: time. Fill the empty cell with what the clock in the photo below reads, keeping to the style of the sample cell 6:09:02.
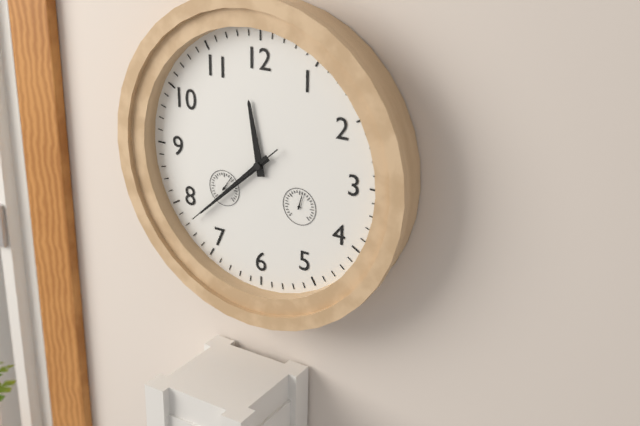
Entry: 11:38:38
